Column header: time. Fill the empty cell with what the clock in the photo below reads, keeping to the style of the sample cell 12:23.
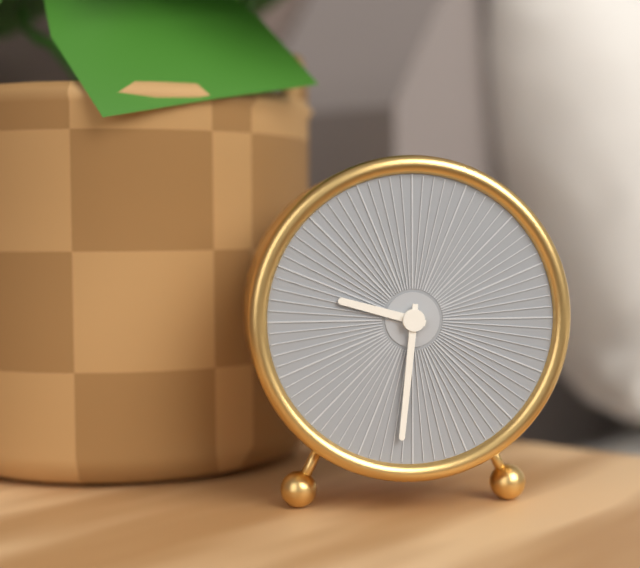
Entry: 9:31
